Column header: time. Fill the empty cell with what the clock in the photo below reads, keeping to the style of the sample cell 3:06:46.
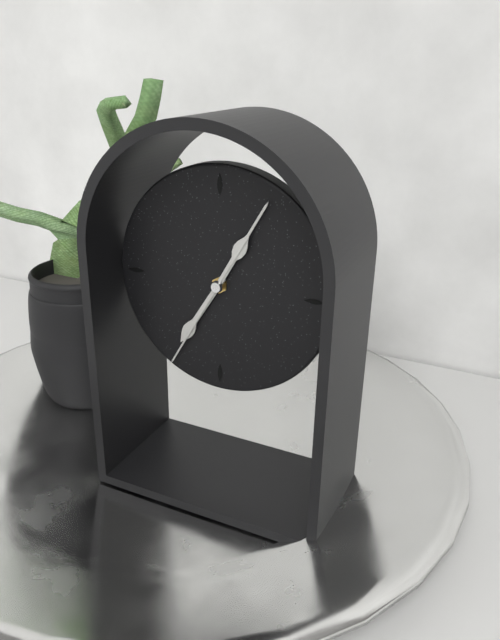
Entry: 7:05:35
